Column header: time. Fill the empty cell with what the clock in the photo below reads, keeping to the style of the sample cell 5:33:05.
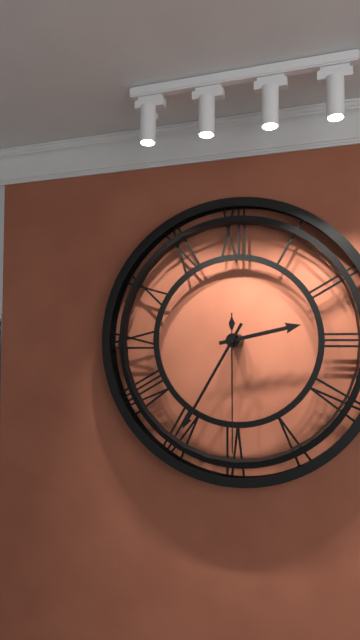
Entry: 2:35:30
